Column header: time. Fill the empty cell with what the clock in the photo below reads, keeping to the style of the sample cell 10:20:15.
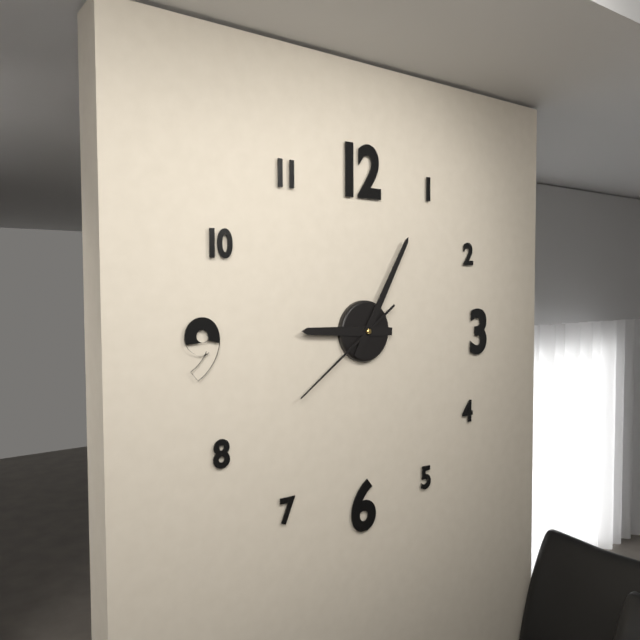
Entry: 9:05:39
